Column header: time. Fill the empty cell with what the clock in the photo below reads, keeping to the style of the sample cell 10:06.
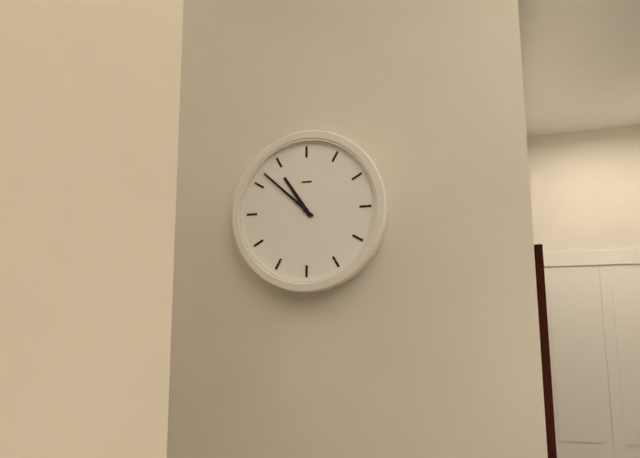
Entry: 10:52
